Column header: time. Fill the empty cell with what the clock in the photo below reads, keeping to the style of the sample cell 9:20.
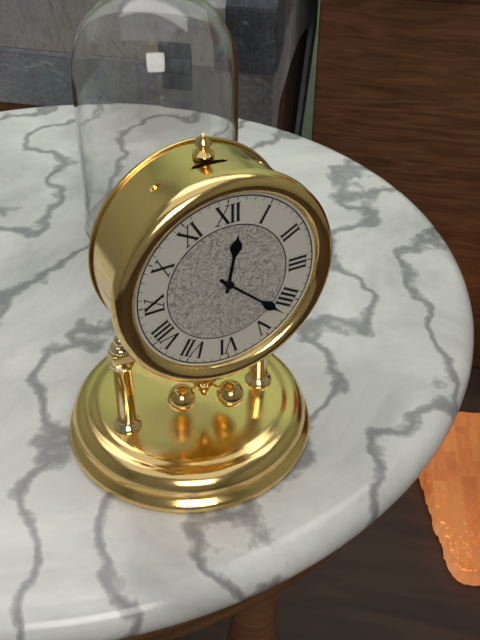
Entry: 12:22
